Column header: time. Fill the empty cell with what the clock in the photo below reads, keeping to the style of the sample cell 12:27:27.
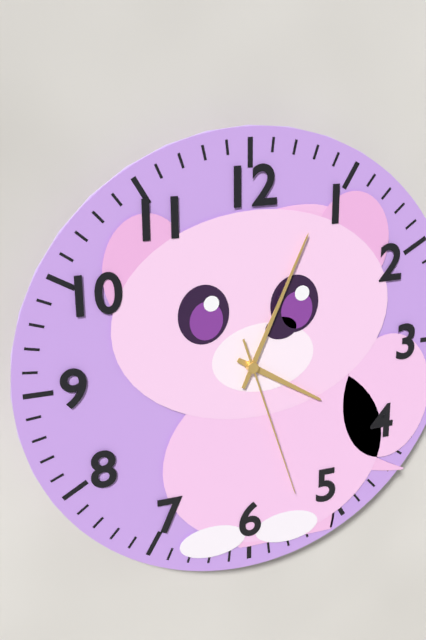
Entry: 4:04:27
